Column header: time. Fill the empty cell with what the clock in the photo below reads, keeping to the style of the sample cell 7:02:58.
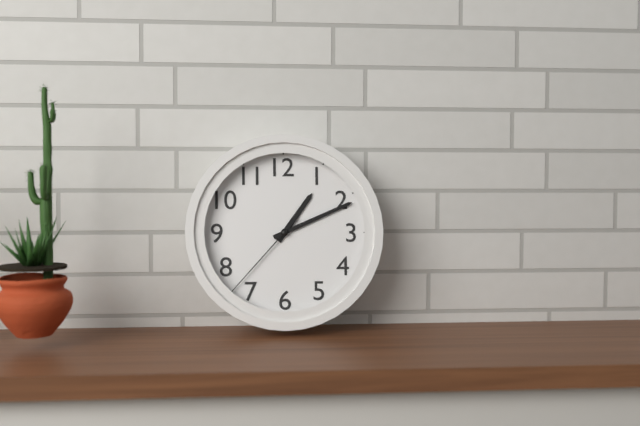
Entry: 1:11:37
